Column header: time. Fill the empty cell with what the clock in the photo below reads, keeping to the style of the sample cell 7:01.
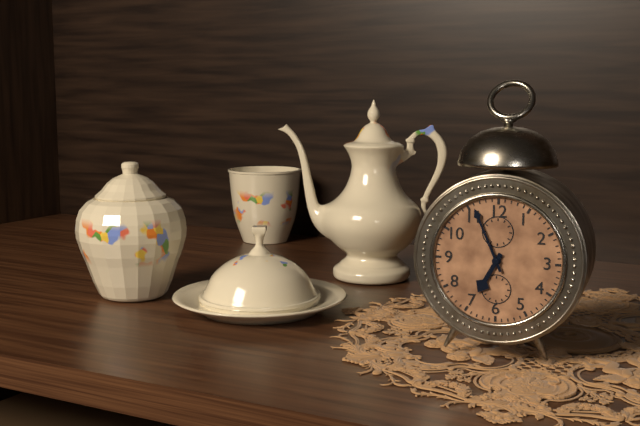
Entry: 6:56
